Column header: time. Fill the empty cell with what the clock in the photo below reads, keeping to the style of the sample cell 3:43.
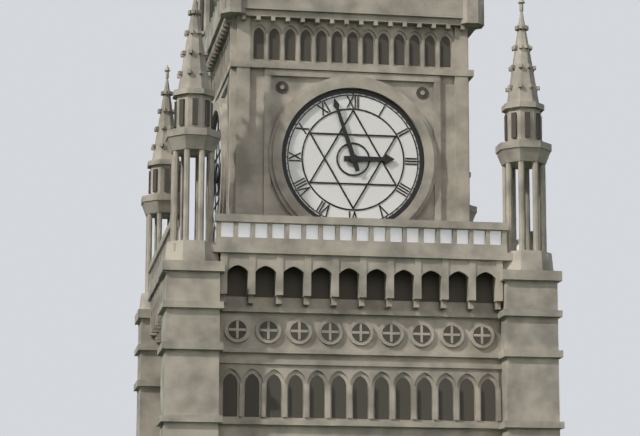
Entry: 2:57
